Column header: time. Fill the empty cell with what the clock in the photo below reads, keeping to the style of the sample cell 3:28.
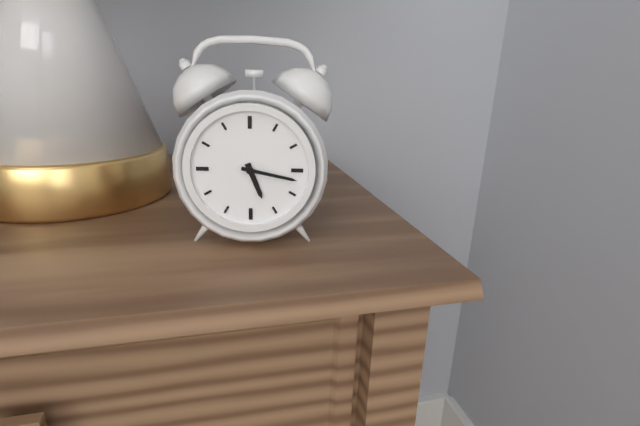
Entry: 5:17
